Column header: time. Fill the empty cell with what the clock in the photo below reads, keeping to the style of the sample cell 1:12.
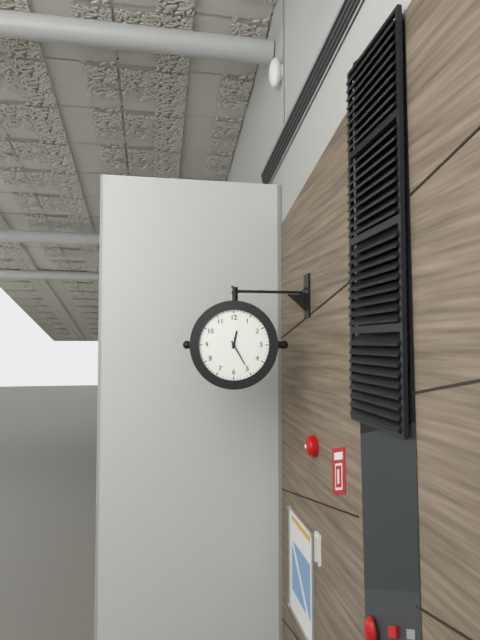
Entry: 12:25
